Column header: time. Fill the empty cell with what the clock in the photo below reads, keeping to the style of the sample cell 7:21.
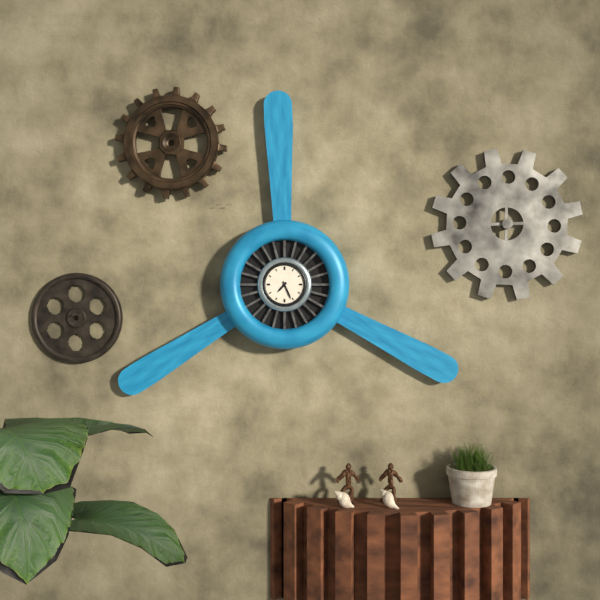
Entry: 7:26
